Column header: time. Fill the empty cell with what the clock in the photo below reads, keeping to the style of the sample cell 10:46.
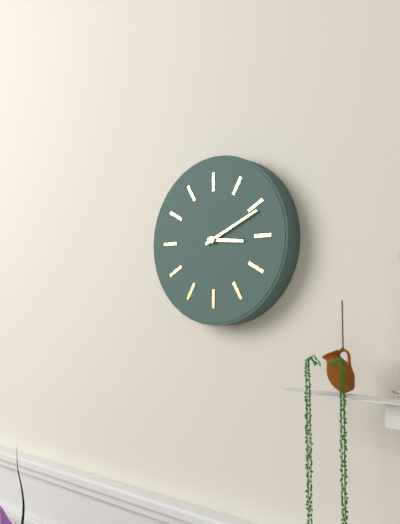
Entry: 3:11
